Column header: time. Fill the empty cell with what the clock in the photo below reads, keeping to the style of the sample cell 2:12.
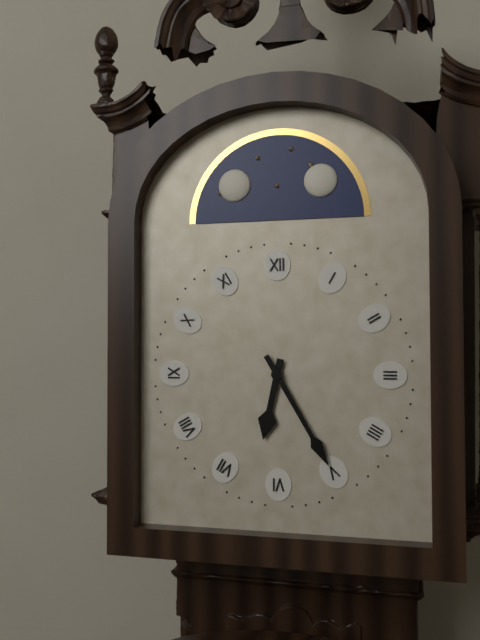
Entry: 6:25
